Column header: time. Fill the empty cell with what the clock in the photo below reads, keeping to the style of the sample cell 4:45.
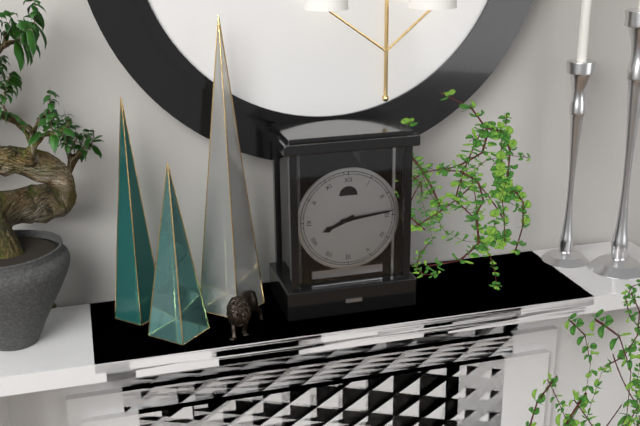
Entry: 8:14
